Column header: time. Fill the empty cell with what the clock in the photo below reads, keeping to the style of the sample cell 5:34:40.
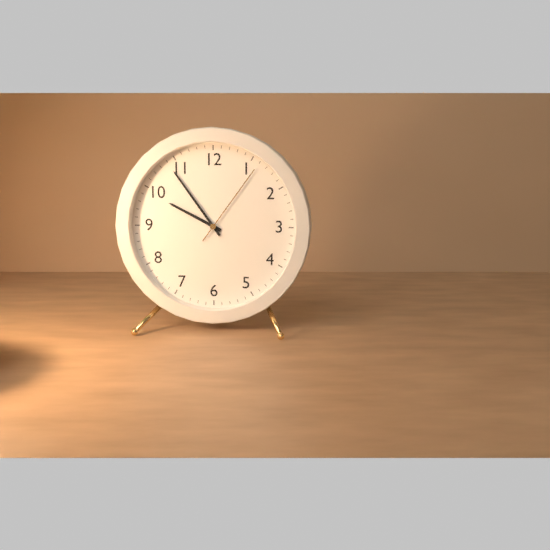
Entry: 9:54:06
